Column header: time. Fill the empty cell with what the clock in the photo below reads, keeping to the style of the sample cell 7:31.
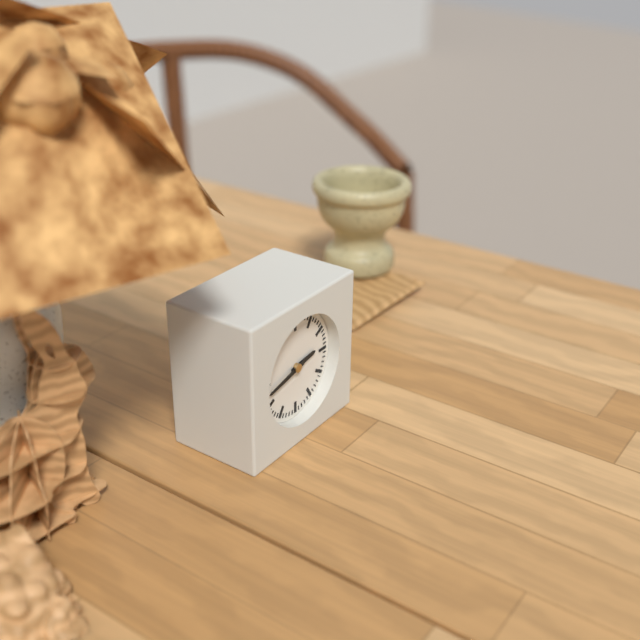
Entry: 2:43
